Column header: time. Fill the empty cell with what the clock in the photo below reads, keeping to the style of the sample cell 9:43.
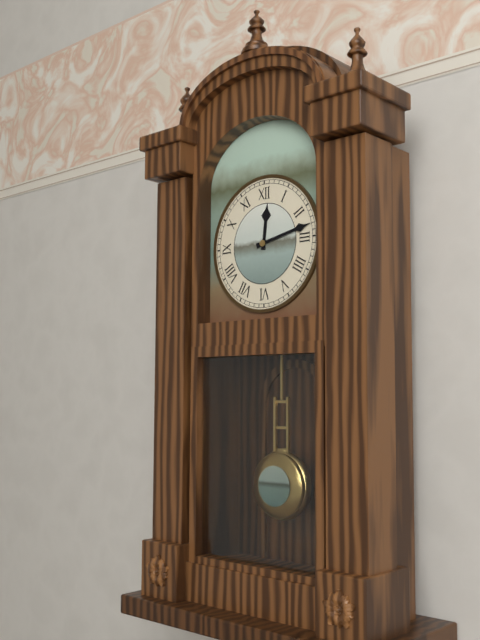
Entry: 12:13
